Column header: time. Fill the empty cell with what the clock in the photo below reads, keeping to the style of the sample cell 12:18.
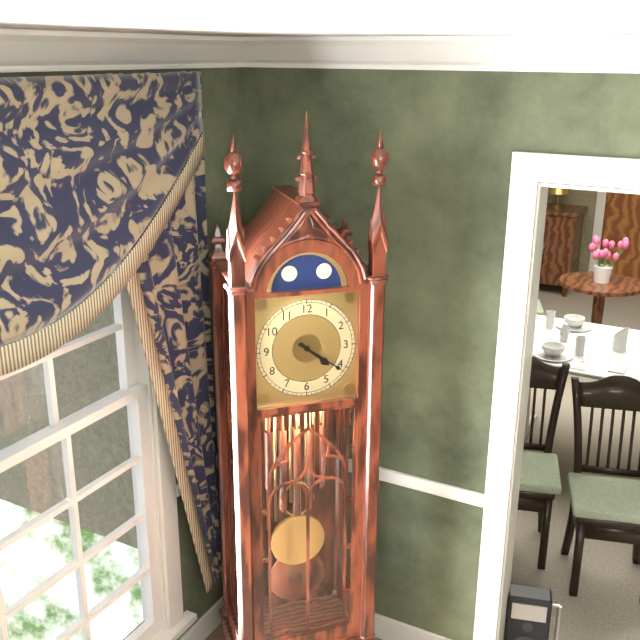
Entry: 4:21
